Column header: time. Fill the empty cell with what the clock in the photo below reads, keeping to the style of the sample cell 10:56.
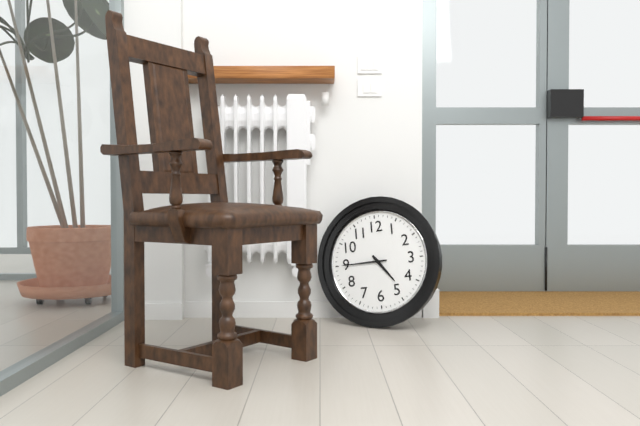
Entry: 4:45
